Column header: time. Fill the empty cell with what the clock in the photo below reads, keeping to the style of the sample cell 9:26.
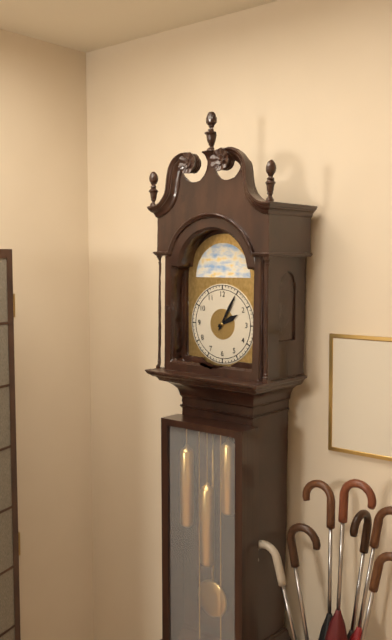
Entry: 2:05
